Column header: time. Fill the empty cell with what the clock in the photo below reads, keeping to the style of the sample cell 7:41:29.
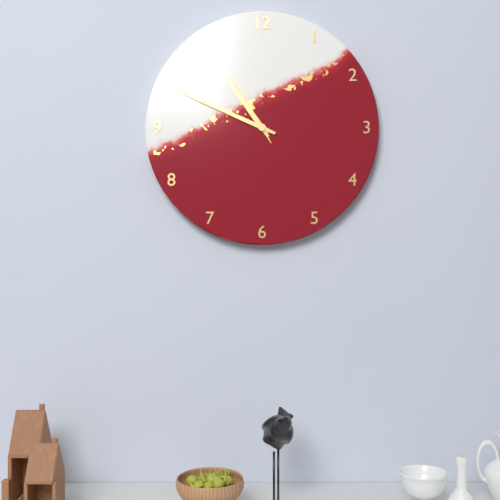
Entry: 10:49:55
